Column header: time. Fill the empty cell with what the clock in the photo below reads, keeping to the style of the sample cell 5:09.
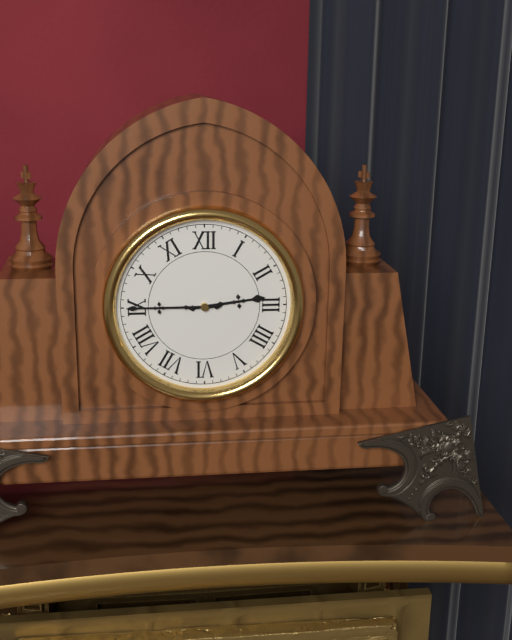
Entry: 2:45
